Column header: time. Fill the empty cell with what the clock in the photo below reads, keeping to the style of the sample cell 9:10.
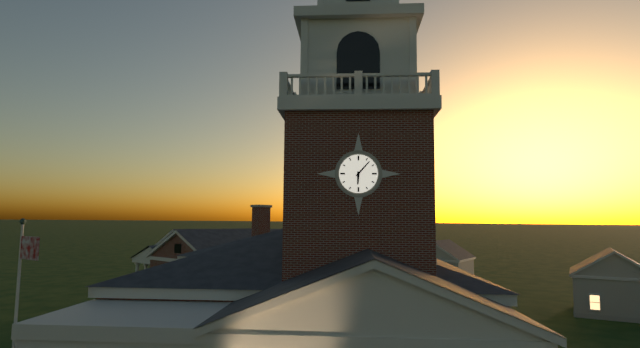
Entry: 6:07
